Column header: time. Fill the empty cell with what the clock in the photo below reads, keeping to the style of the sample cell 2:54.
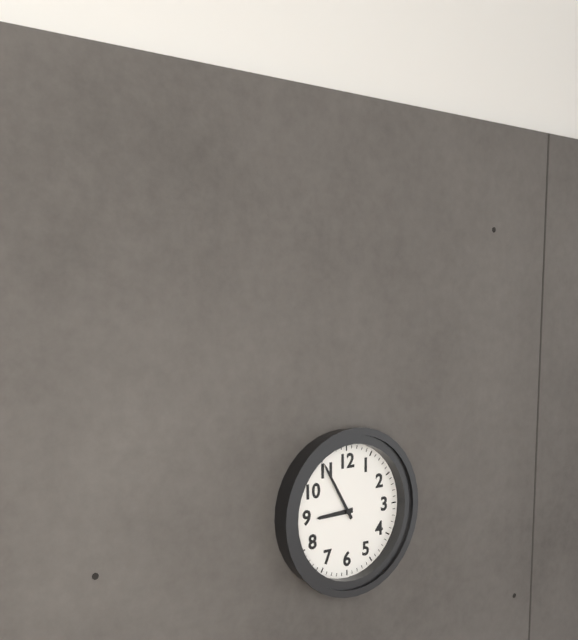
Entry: 8:55
